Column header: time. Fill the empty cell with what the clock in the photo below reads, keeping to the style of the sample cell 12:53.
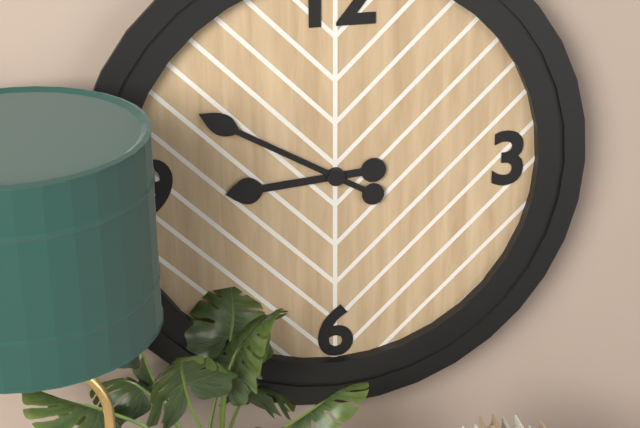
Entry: 8:50
